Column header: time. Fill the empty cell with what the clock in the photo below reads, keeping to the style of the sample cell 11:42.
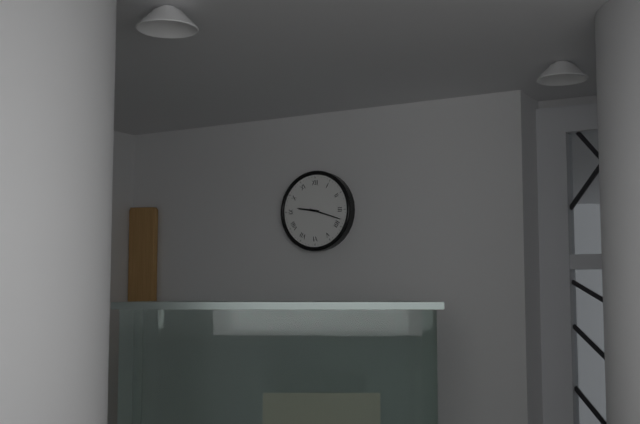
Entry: 9:18
